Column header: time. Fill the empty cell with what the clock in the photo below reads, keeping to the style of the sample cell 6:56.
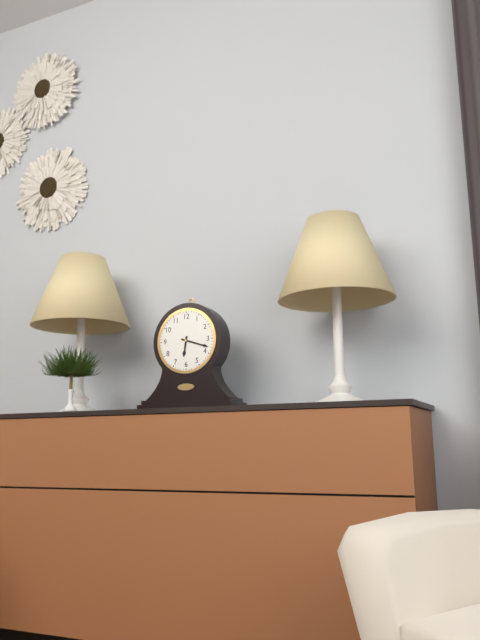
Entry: 6:18
